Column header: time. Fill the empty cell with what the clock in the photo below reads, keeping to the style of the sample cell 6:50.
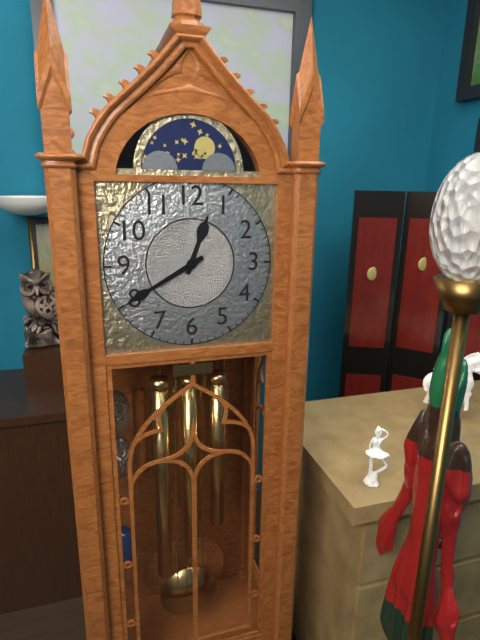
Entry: 12:40
